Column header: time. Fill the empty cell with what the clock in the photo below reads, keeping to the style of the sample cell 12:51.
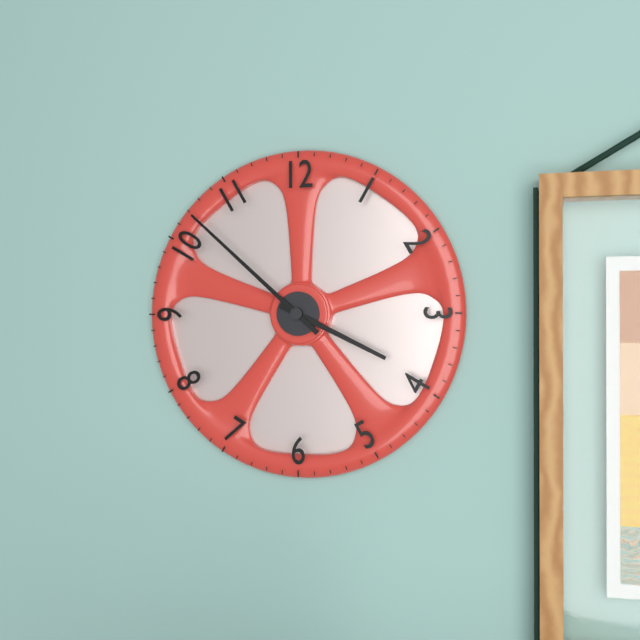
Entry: 3:52
